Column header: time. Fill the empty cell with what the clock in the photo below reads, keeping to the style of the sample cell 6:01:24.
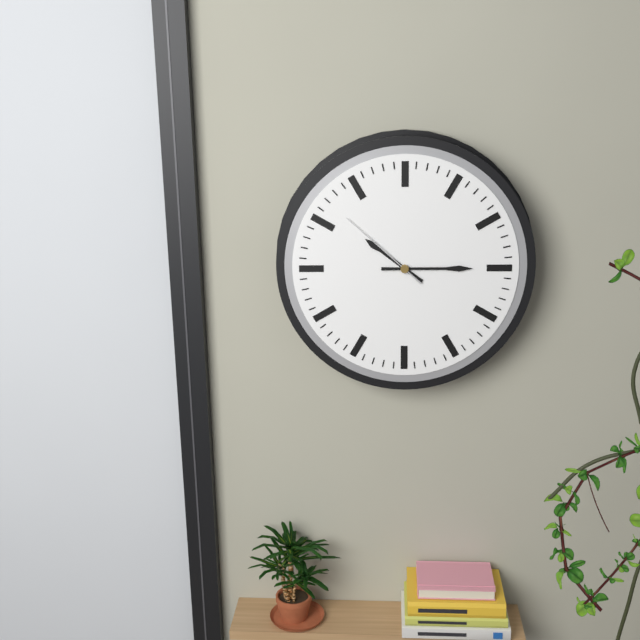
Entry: 10:15:52
